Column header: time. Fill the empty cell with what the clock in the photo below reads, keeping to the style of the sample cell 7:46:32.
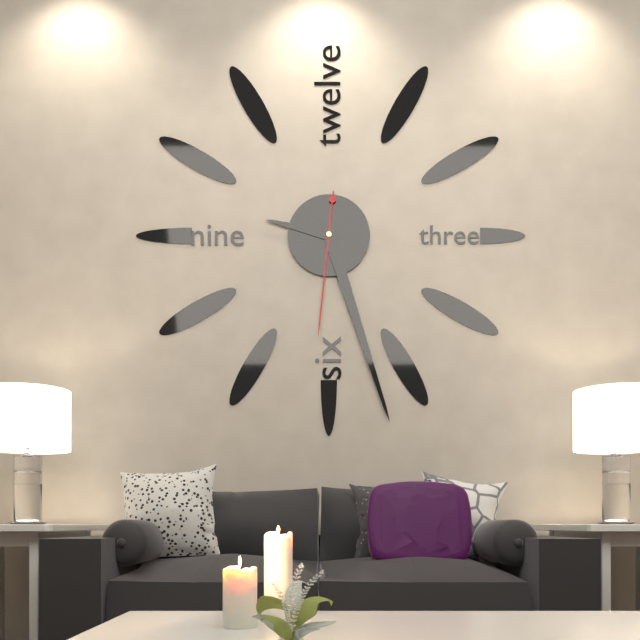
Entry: 9:27:31
